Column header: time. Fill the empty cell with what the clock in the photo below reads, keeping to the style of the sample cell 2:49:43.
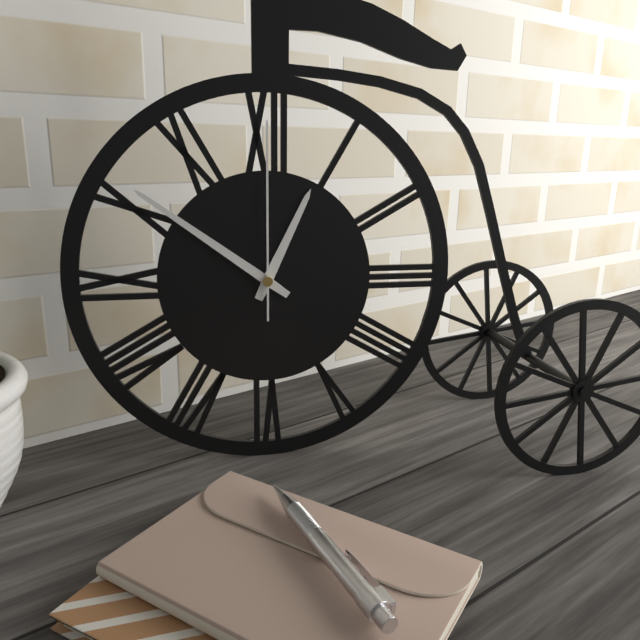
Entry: 12:51:00
